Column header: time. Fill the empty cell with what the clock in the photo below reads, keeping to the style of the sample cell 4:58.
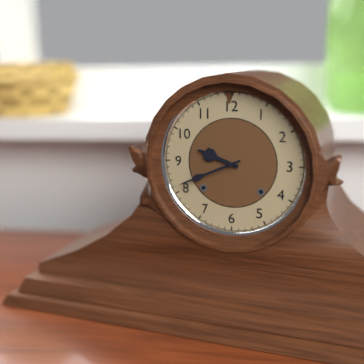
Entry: 9:41
